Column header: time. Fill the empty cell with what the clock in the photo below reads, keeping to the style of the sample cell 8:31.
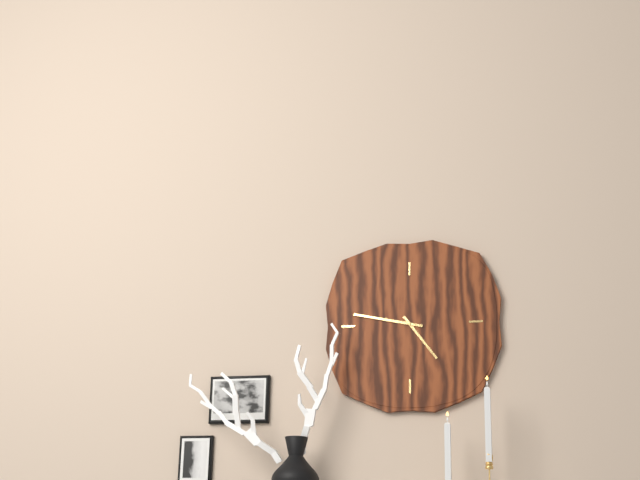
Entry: 4:47
